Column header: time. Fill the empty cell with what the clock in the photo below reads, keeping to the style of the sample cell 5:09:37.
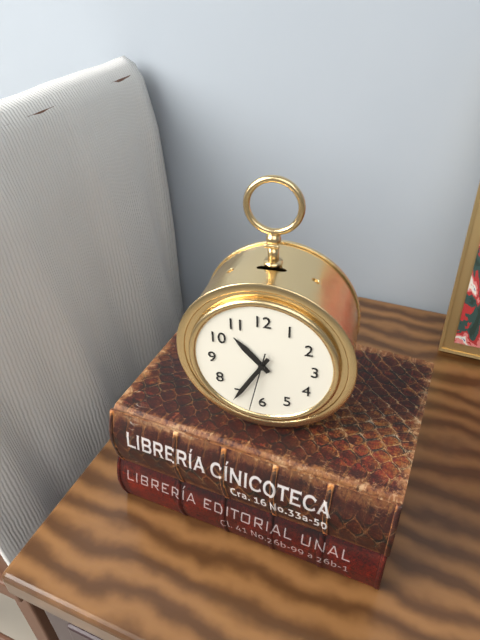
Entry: 10:35:32
